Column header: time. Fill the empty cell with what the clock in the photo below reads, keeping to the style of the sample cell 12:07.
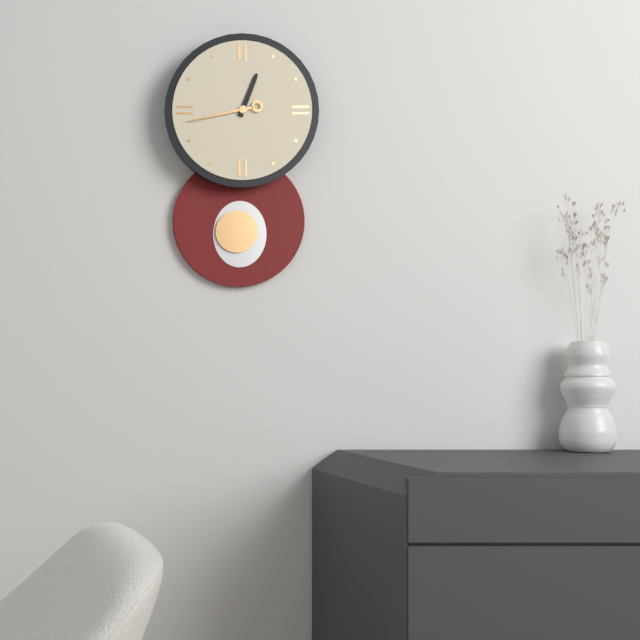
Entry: 12:43
